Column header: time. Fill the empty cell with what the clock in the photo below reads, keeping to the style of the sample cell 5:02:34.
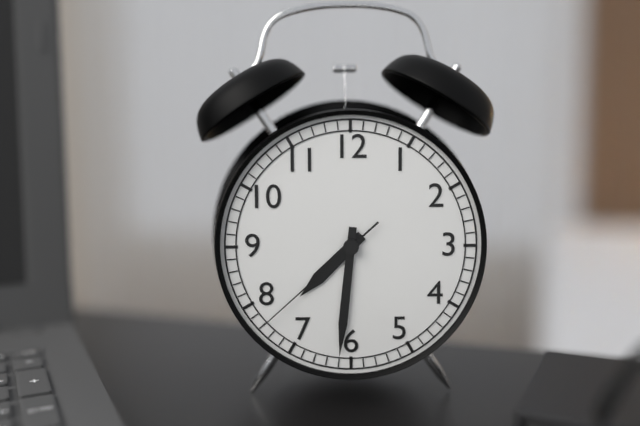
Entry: 7:31:38
